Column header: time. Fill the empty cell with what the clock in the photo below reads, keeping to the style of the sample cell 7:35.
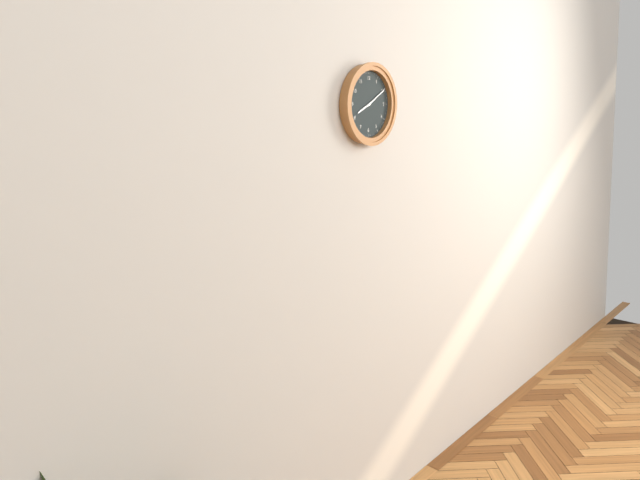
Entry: 8:10
